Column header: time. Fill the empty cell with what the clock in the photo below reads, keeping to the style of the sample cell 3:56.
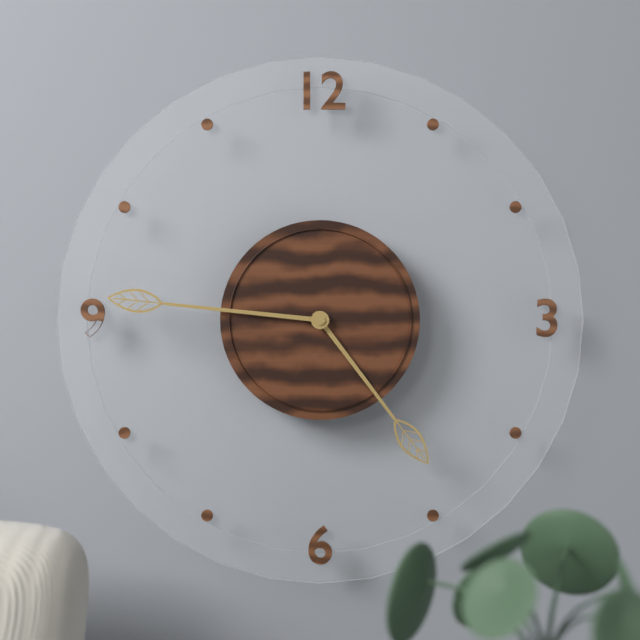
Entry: 4:46
